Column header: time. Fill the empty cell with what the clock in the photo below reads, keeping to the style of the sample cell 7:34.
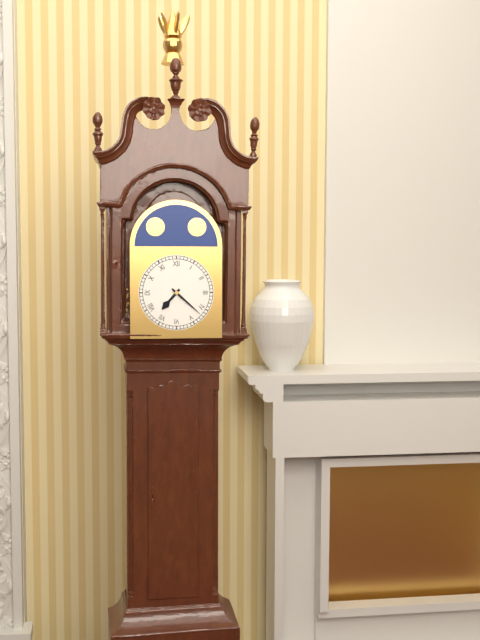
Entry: 7:22
